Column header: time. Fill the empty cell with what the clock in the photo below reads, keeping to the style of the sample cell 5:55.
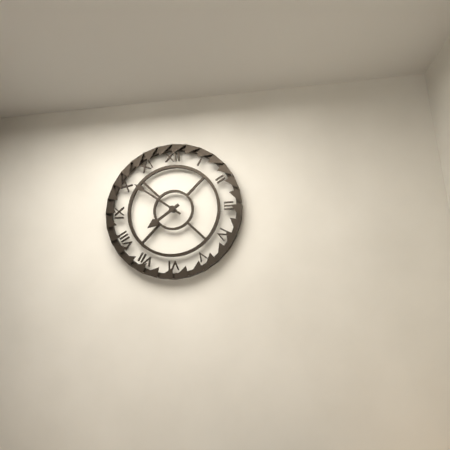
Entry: 7:51
